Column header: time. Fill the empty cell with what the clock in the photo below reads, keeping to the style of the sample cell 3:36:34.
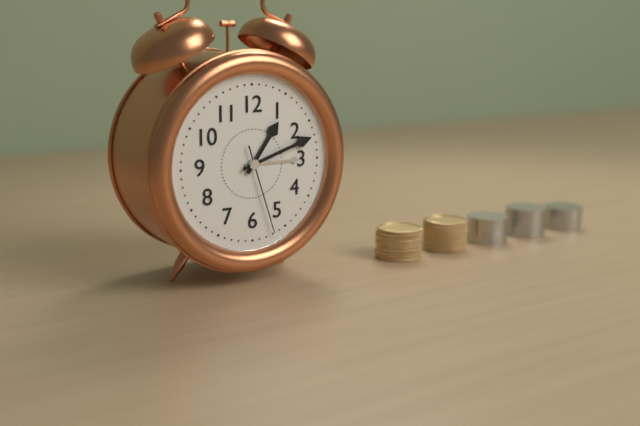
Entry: 1:12:27
